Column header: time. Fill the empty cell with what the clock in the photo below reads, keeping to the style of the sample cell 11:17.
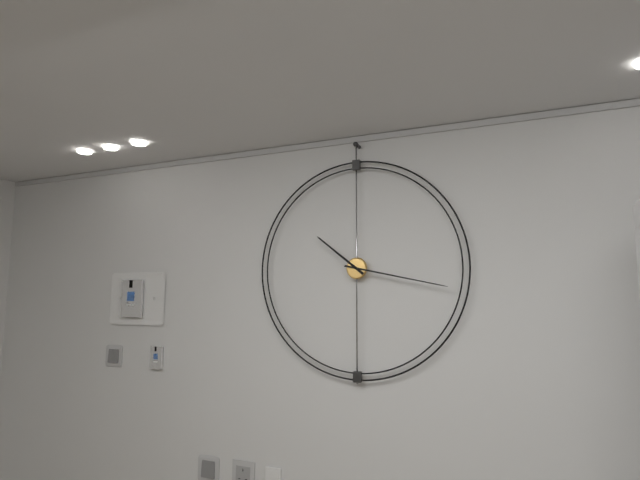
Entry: 10:17
